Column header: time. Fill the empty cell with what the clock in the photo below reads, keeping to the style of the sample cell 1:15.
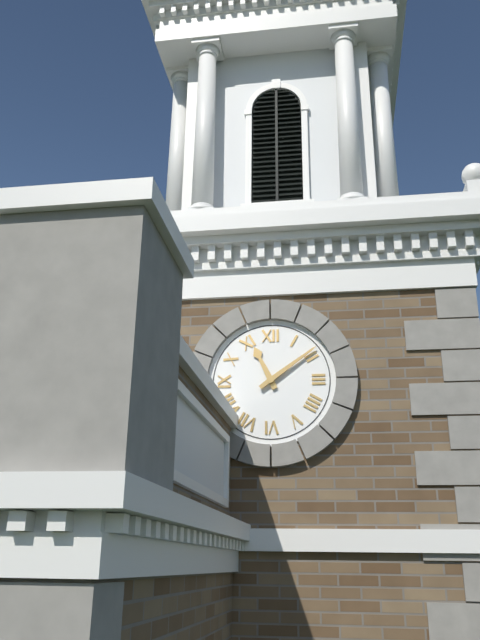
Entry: 11:09
